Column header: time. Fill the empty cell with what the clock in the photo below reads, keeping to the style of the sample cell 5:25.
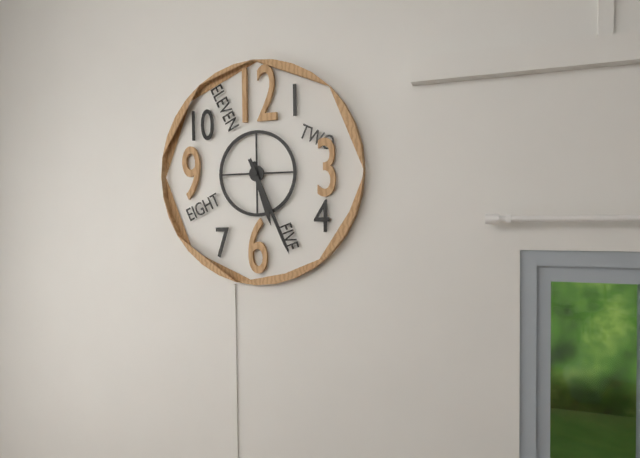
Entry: 5:26
